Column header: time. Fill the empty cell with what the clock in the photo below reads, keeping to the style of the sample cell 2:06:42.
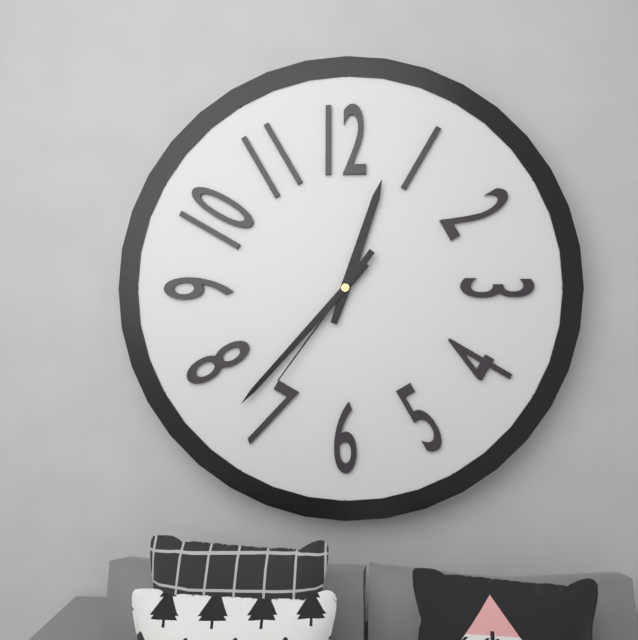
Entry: 12:37:36
